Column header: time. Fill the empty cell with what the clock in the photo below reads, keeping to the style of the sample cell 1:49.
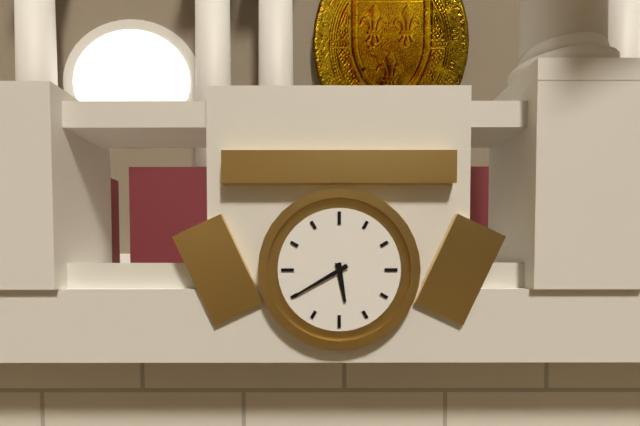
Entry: 5:40
